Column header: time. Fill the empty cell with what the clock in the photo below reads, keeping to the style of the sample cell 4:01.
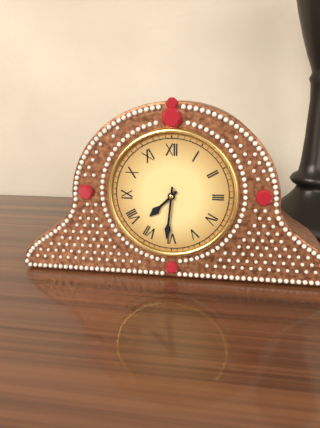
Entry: 7:31
